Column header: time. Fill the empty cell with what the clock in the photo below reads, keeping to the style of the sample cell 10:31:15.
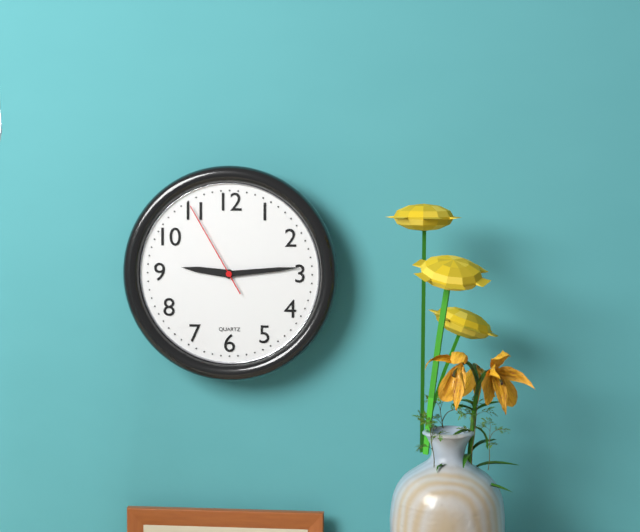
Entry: 9:14:55
